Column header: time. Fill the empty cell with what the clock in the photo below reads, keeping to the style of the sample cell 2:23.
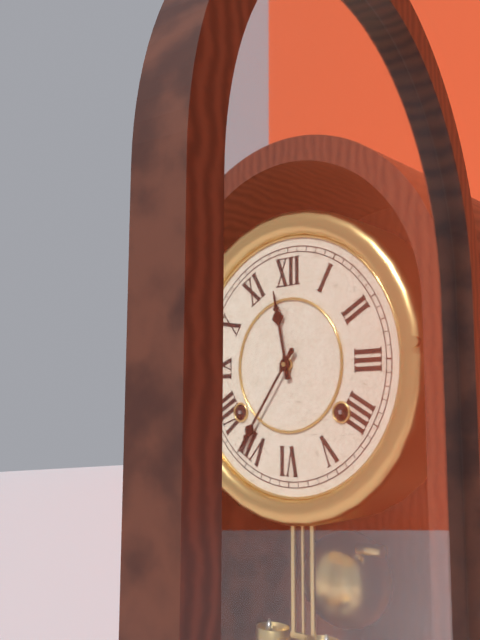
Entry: 11:36
